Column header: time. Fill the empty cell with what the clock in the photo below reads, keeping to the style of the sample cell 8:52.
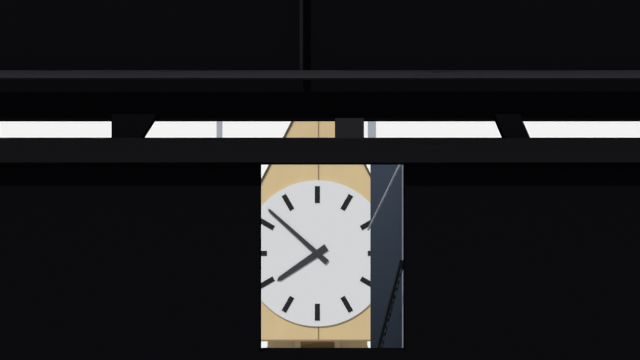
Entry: 7:52
